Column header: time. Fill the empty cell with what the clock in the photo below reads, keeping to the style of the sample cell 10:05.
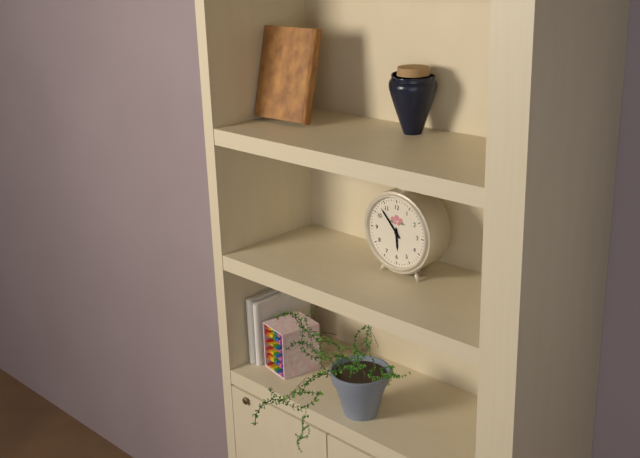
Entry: 5:53
